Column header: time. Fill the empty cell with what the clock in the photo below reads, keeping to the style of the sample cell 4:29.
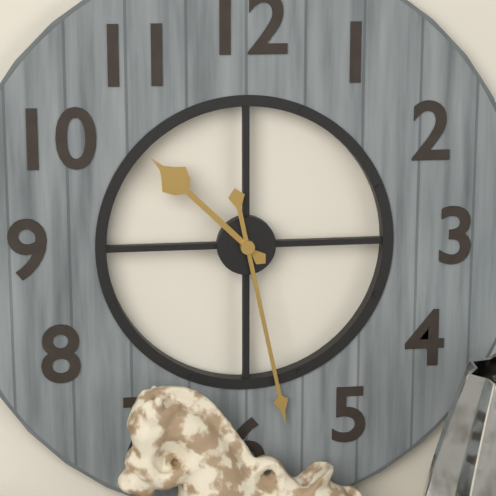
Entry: 10:28
